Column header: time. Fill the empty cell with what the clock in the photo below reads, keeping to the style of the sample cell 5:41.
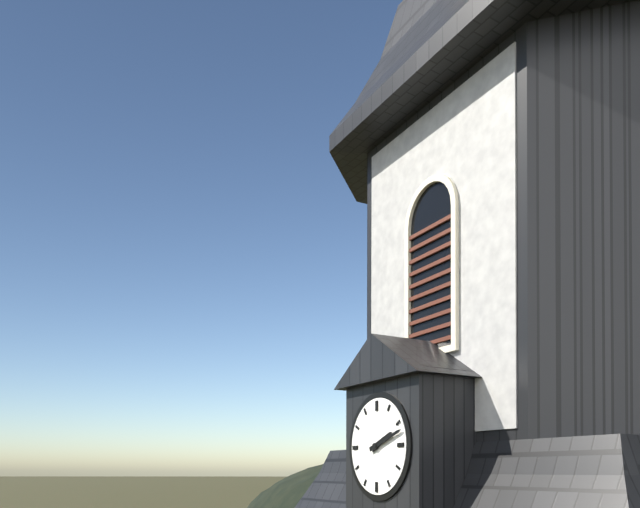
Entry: 2:12
